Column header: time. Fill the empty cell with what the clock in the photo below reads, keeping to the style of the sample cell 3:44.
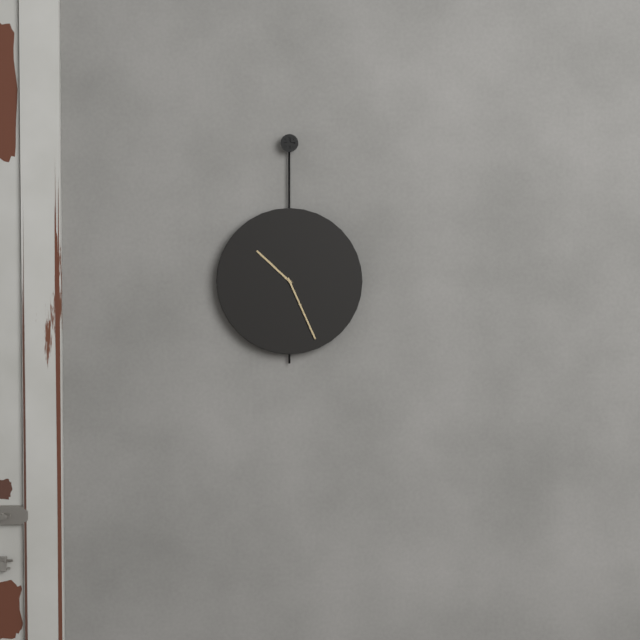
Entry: 10:26
